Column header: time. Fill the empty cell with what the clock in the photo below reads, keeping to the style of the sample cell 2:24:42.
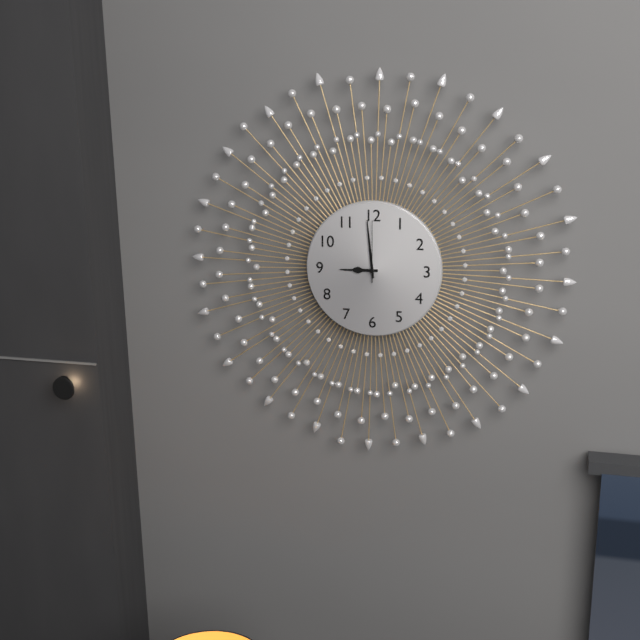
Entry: 8:59:00
